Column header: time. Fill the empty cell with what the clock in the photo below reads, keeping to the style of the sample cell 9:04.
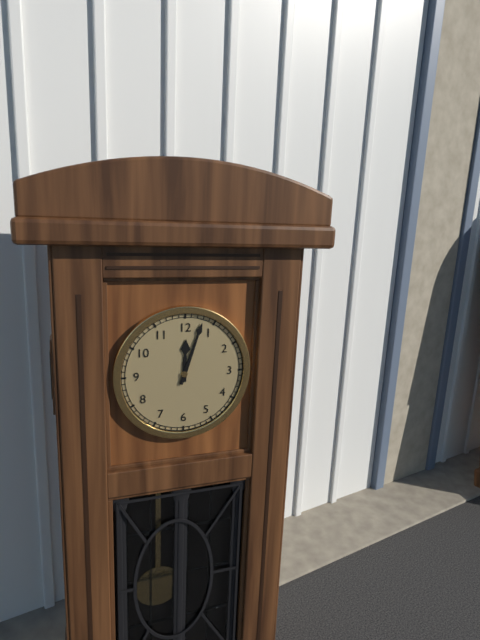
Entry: 12:03
